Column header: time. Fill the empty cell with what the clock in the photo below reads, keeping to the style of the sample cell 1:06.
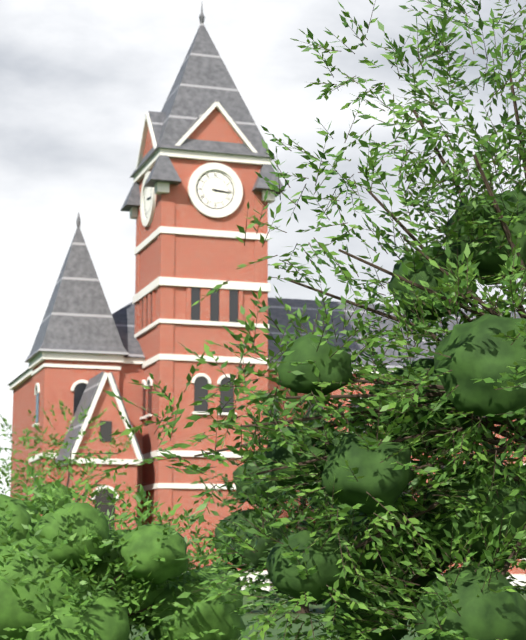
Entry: 3:16
